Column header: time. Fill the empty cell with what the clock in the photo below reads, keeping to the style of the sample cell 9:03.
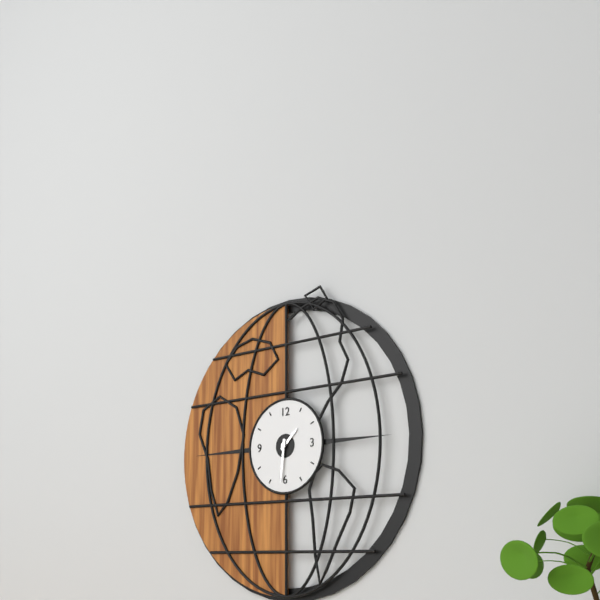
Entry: 1:31
